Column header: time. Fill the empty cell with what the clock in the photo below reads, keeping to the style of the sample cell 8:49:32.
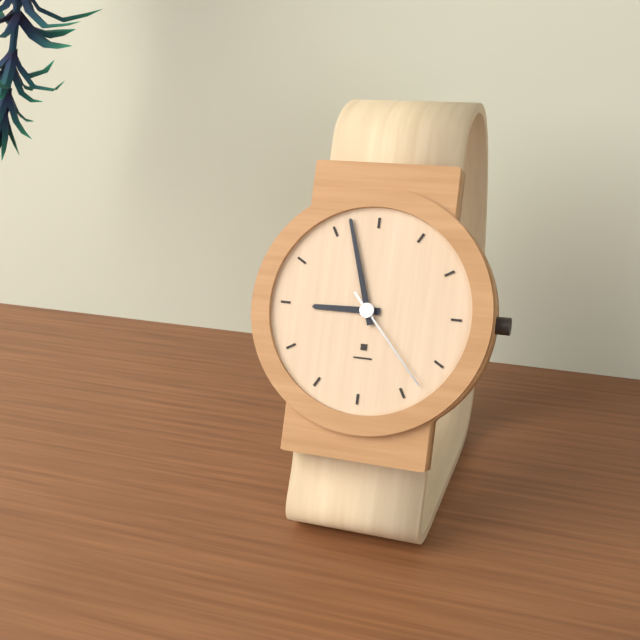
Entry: 8:57:23
